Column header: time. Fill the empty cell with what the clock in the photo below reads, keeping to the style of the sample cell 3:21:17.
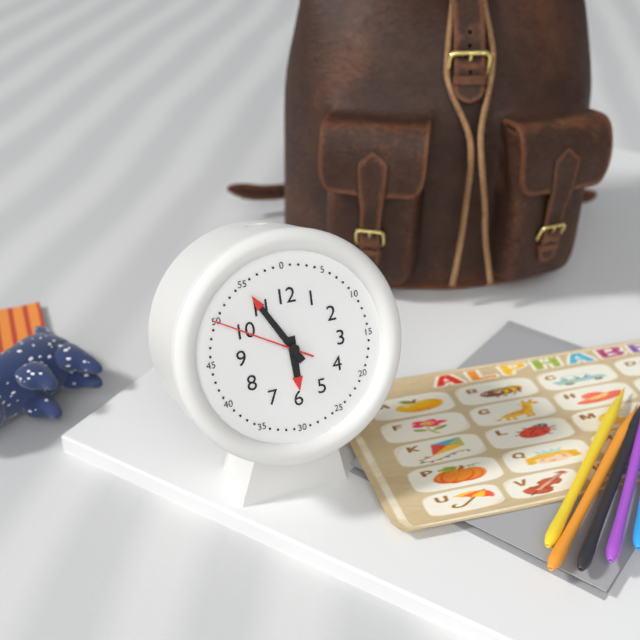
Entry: 5:55:50
